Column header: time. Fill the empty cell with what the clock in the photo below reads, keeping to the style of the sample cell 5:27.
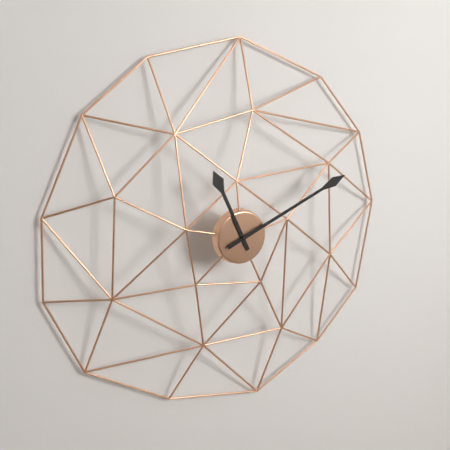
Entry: 11:11
